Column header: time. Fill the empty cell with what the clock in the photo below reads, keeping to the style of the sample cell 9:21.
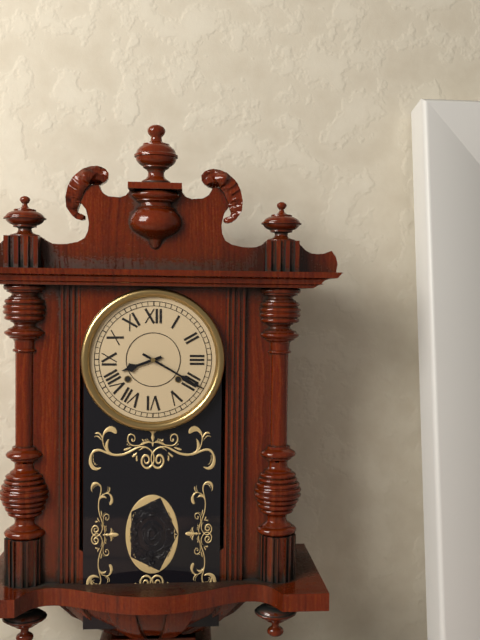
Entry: 8:20
